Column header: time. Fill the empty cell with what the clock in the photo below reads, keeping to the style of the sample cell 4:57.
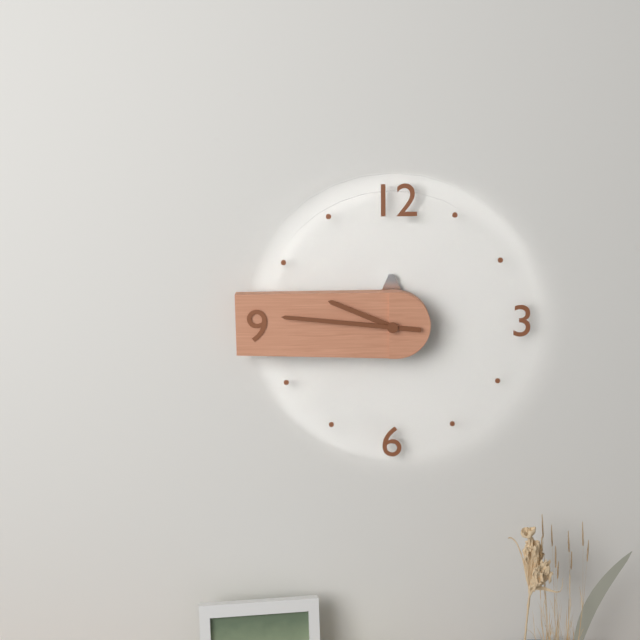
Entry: 9:46
